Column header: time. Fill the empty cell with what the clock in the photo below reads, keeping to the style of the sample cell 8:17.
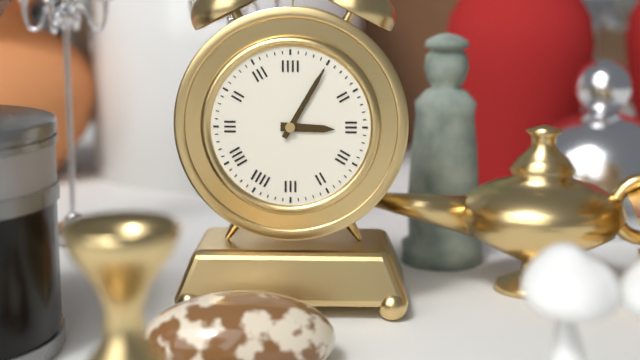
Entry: 3:05
